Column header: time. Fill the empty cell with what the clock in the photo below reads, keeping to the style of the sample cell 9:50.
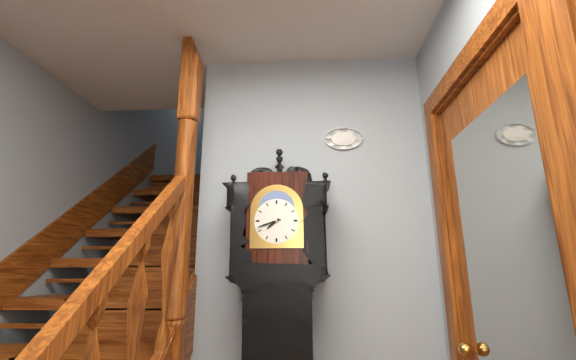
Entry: 7:42
